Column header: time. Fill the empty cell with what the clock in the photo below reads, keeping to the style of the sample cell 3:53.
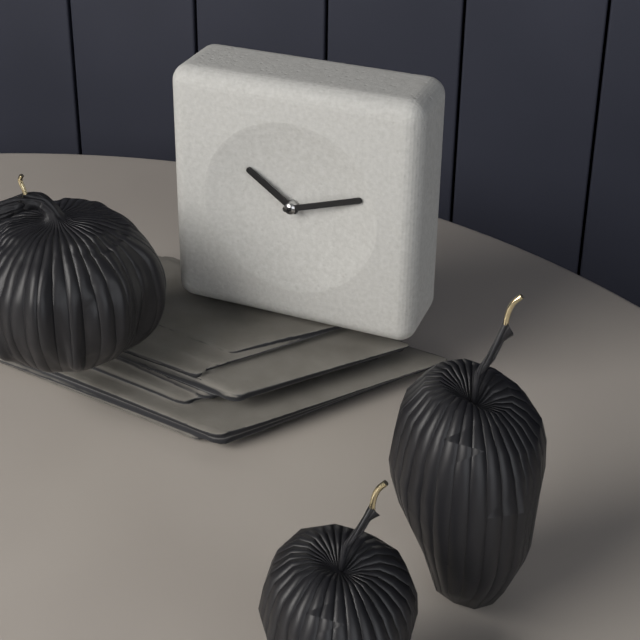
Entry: 10:12
